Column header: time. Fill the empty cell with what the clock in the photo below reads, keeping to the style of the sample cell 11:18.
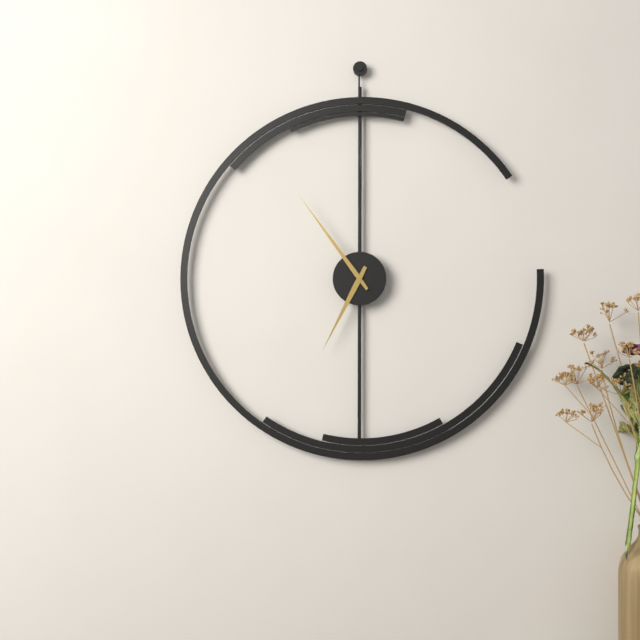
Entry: 6:54
